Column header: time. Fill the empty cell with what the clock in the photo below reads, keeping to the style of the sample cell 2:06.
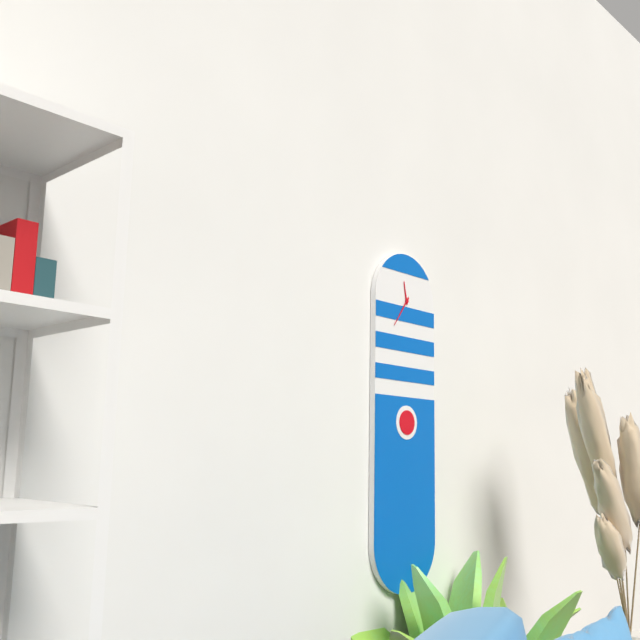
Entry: 11:36
